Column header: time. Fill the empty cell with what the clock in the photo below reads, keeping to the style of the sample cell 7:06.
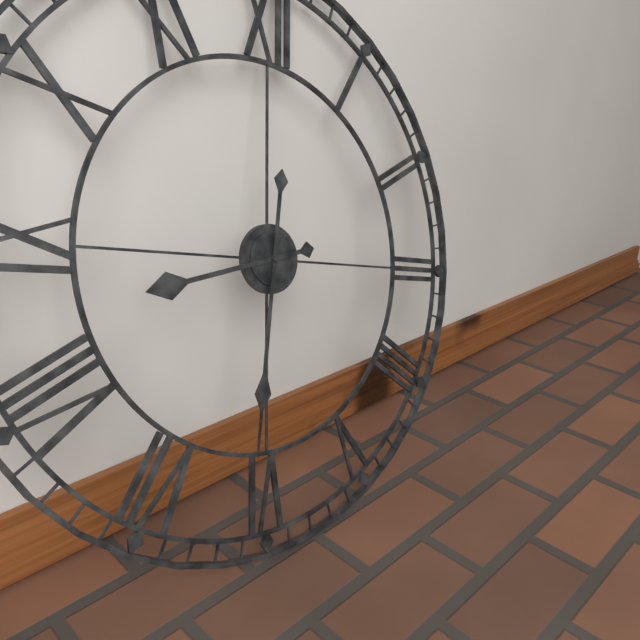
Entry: 8:31
